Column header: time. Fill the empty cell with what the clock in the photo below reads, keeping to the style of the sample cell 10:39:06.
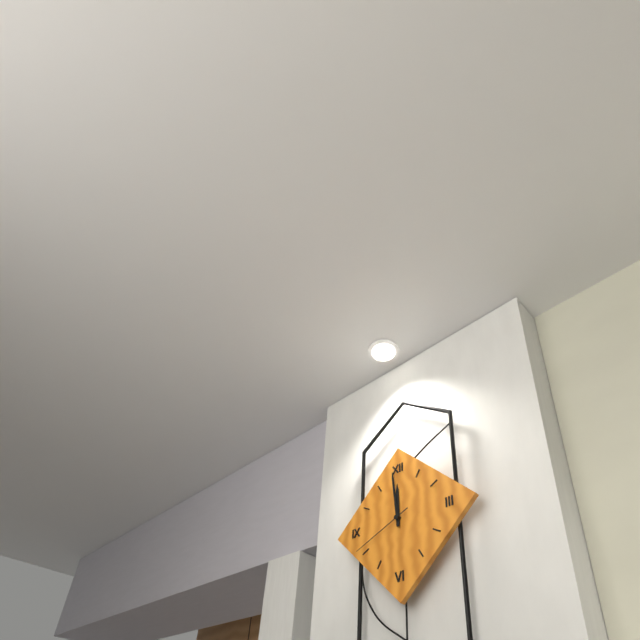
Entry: 11:59:41
